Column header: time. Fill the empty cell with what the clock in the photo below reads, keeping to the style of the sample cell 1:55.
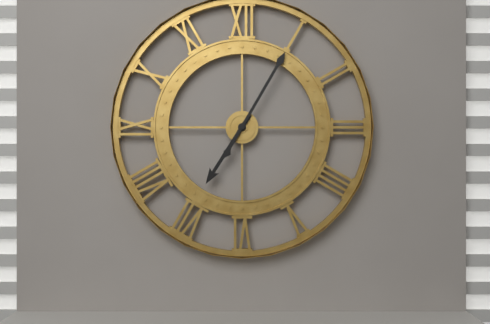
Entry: 7:05
